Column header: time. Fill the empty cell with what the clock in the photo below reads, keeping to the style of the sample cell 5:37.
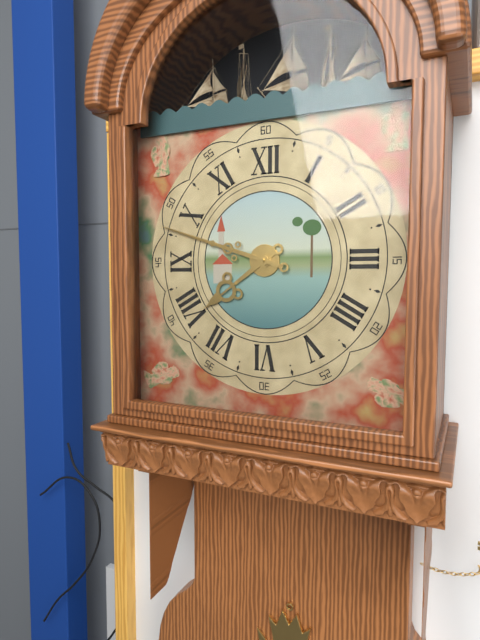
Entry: 7:48
